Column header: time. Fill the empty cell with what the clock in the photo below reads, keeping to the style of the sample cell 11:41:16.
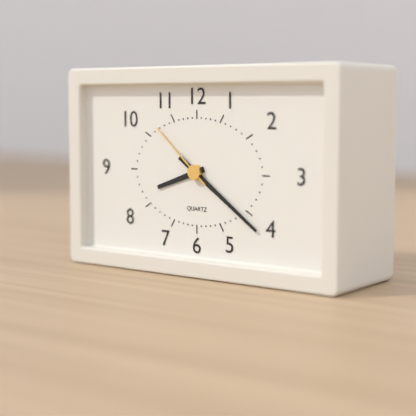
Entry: 8:21:52
